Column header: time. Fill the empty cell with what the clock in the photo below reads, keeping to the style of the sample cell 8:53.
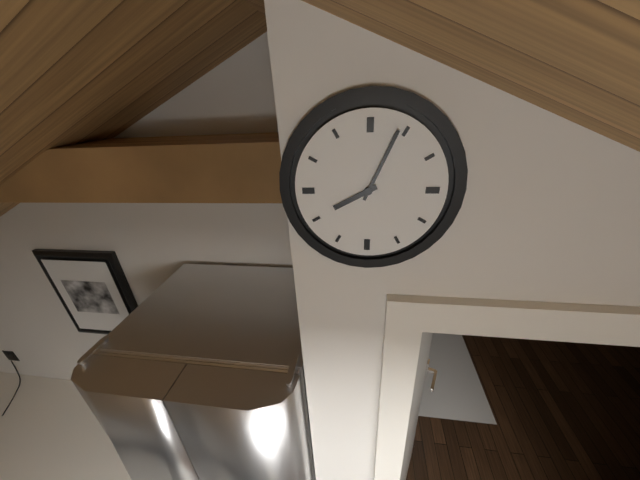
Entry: 8:04
